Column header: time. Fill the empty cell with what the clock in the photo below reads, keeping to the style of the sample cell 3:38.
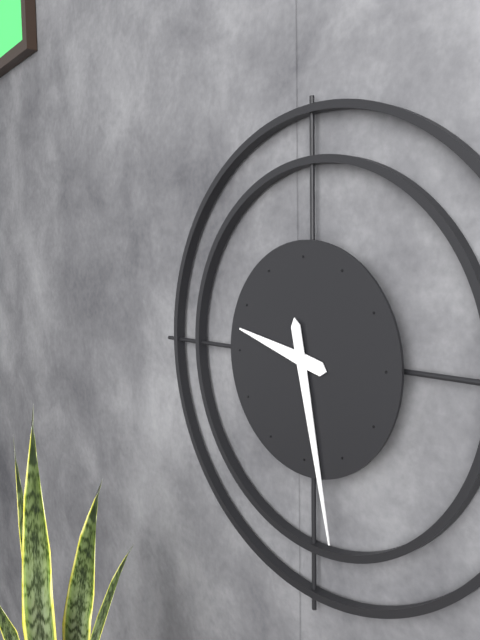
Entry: 9:28
